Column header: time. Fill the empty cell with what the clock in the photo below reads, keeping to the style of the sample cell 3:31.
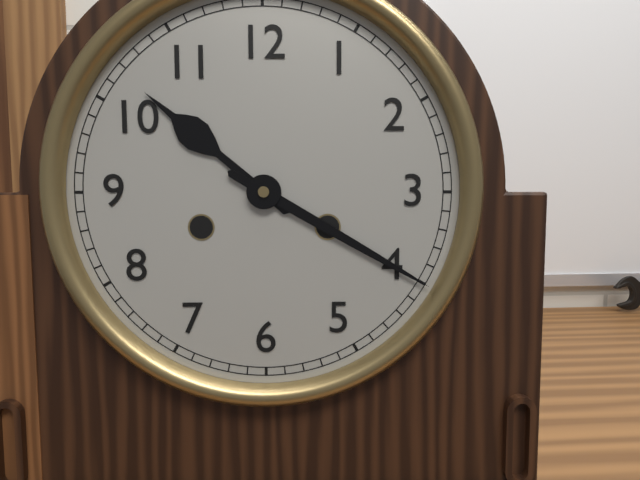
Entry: 10:20
